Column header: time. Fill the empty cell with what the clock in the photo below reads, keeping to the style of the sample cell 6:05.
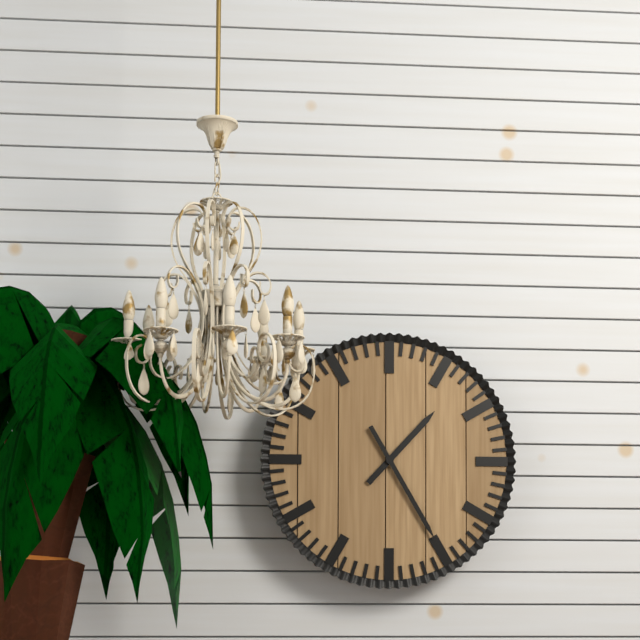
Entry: 1:25
